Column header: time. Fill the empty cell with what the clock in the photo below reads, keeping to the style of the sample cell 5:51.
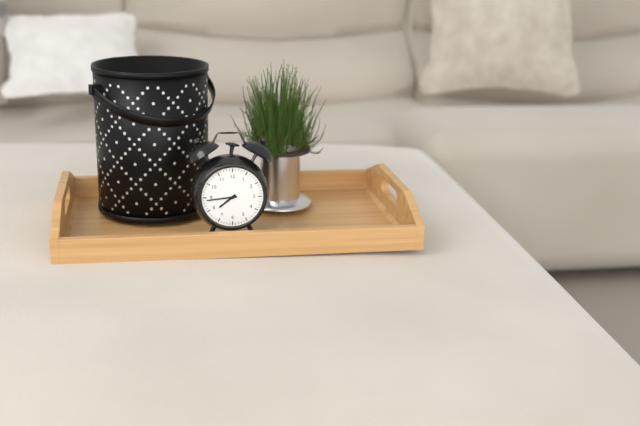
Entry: 7:44
